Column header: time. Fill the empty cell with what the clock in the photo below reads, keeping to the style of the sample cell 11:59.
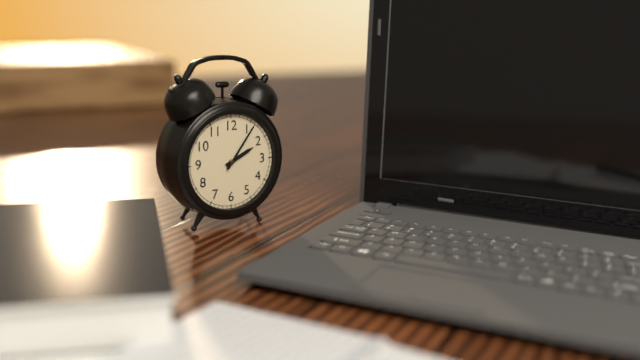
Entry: 2:06
